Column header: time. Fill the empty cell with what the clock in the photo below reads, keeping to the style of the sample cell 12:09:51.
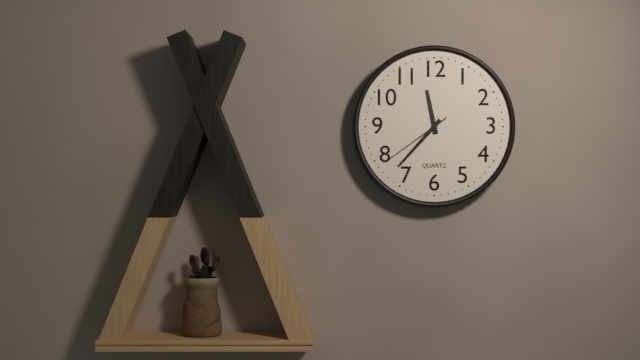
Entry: 11:37:39
